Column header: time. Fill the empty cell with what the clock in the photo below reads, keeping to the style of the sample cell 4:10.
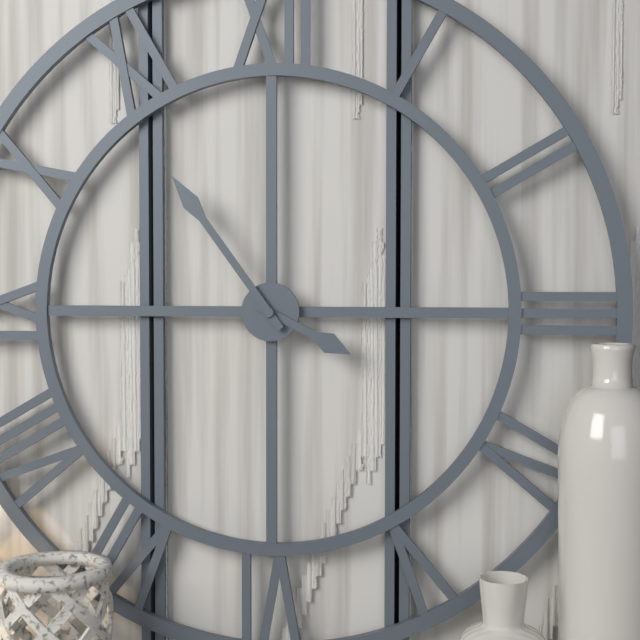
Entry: 3:54
